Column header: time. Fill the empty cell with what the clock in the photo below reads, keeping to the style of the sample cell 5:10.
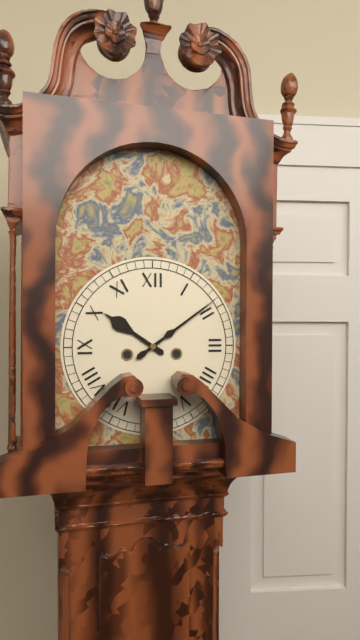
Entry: 10:09
